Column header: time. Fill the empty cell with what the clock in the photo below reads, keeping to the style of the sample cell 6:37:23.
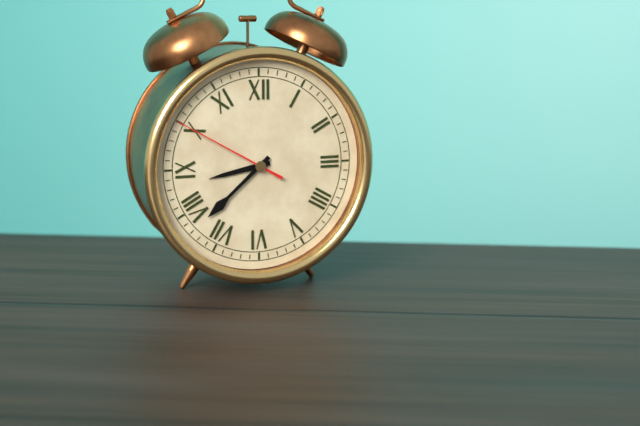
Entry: 8:38:50
